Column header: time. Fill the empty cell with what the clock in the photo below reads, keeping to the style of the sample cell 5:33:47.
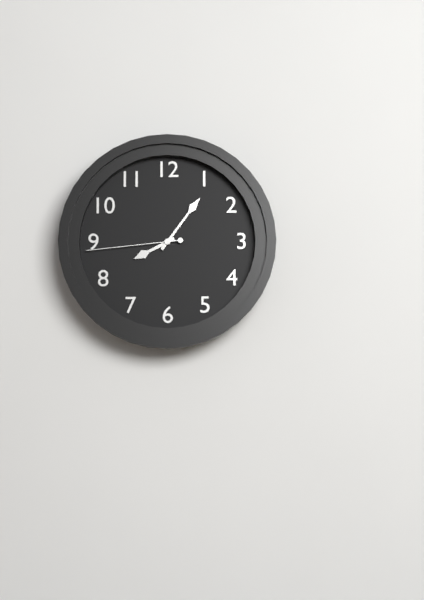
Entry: 8:06:44
